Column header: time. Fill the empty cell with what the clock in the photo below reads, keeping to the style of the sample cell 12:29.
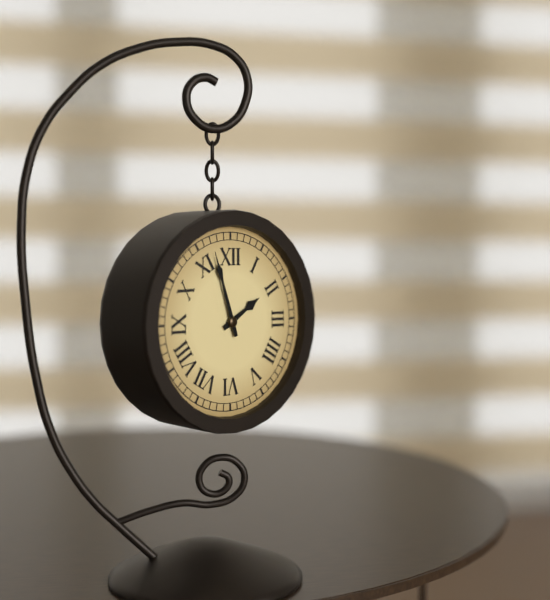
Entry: 1:57
